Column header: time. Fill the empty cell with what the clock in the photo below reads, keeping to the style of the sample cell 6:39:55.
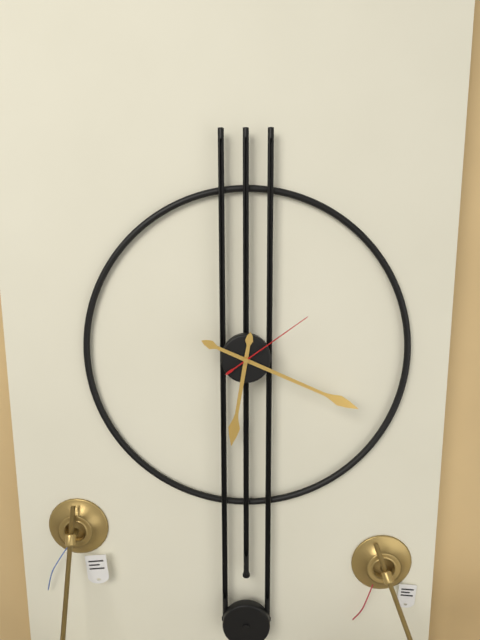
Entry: 6:19:09
